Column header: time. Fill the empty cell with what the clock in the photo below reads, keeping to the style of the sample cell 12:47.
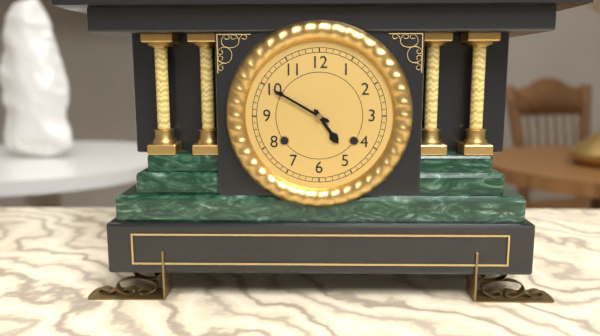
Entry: 4:50
